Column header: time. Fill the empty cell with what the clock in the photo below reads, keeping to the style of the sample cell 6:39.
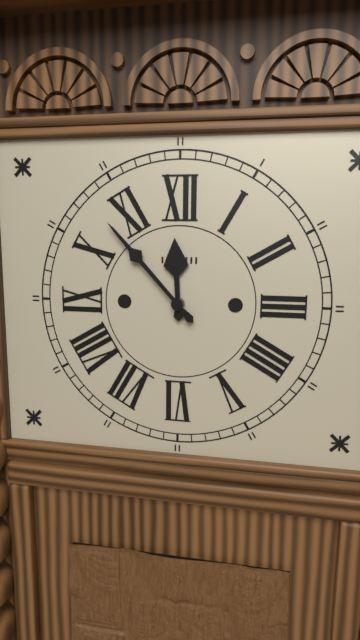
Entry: 11:53
